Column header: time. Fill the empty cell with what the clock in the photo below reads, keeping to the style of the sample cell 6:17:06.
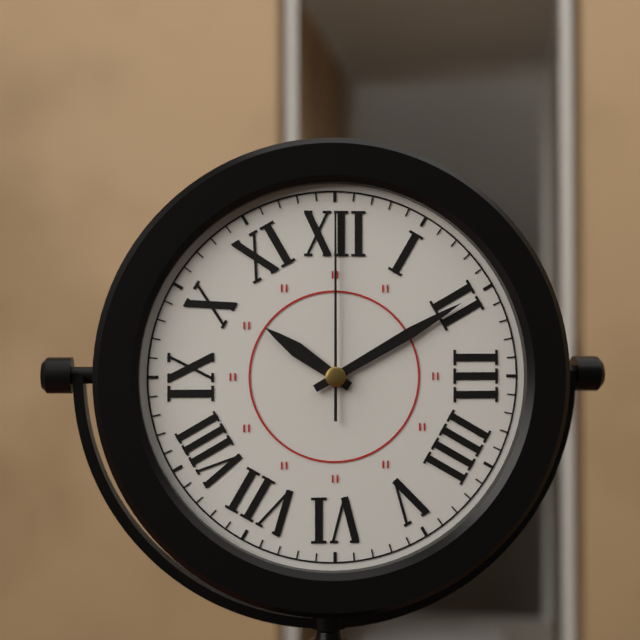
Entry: 10:10:00
